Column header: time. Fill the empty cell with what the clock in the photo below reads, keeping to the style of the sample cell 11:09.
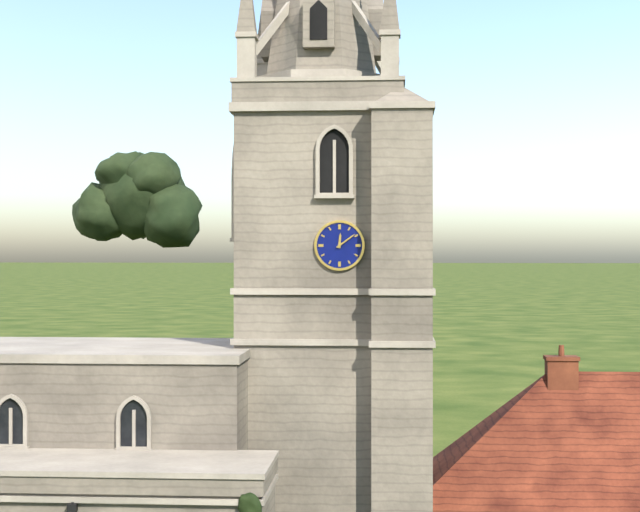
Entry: 12:09
